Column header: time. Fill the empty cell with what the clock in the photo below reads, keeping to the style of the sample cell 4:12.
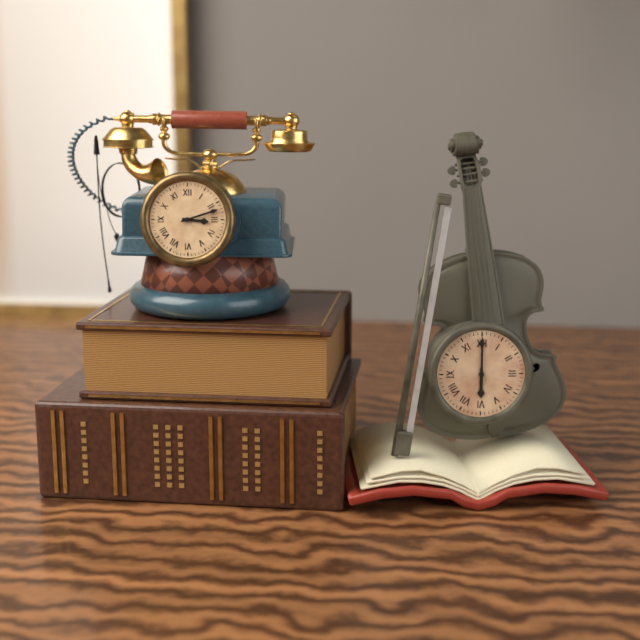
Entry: 3:12
